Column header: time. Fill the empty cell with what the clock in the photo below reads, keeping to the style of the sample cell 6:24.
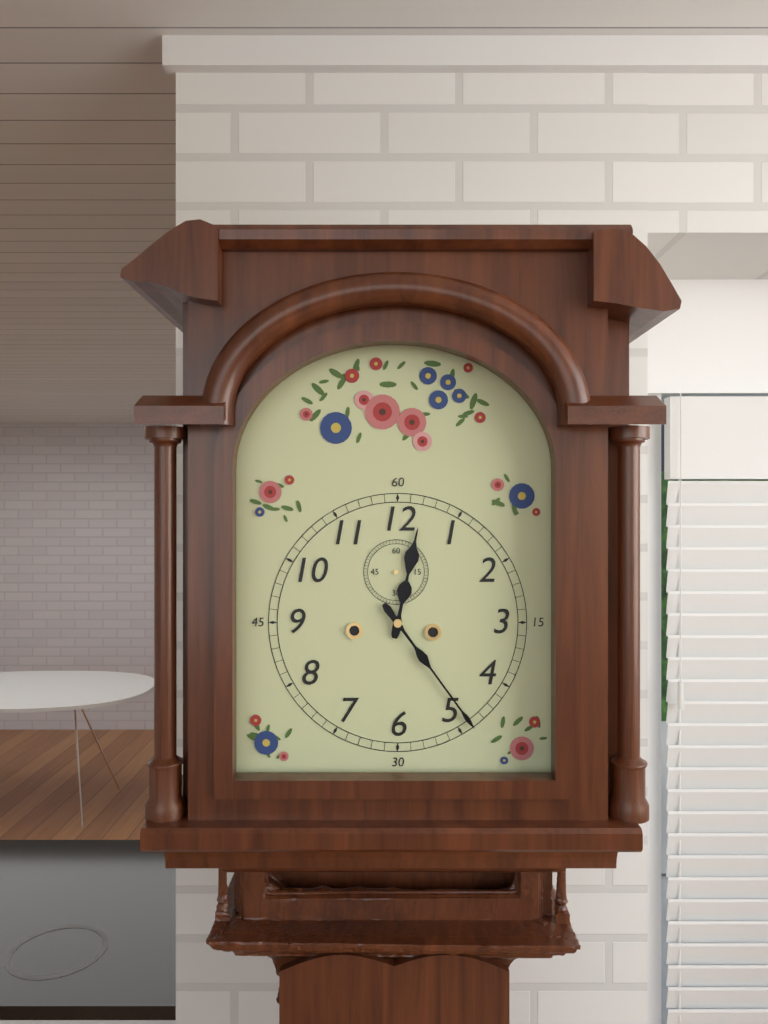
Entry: 12:24
